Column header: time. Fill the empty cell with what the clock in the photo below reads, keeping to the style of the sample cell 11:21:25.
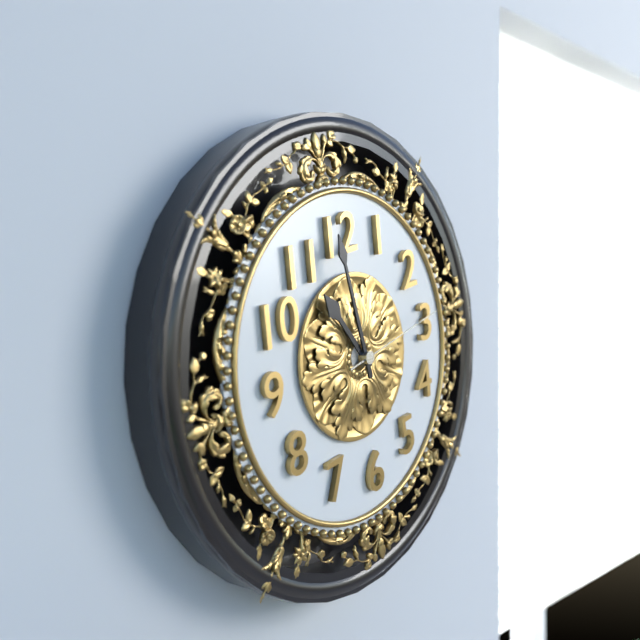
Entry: 10:59:14
